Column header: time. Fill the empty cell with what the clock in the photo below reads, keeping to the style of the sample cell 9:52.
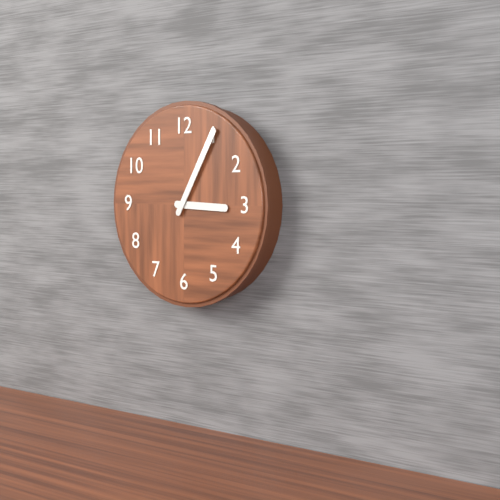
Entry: 3:05
